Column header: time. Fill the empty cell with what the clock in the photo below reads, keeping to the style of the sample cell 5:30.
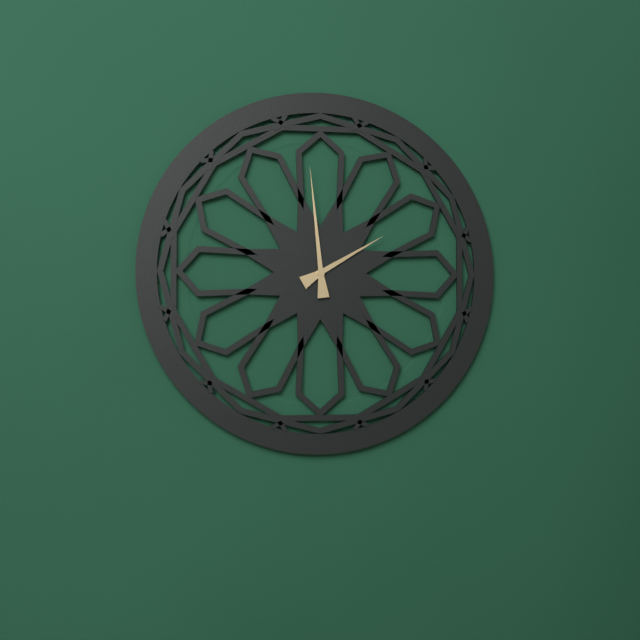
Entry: 1:59
